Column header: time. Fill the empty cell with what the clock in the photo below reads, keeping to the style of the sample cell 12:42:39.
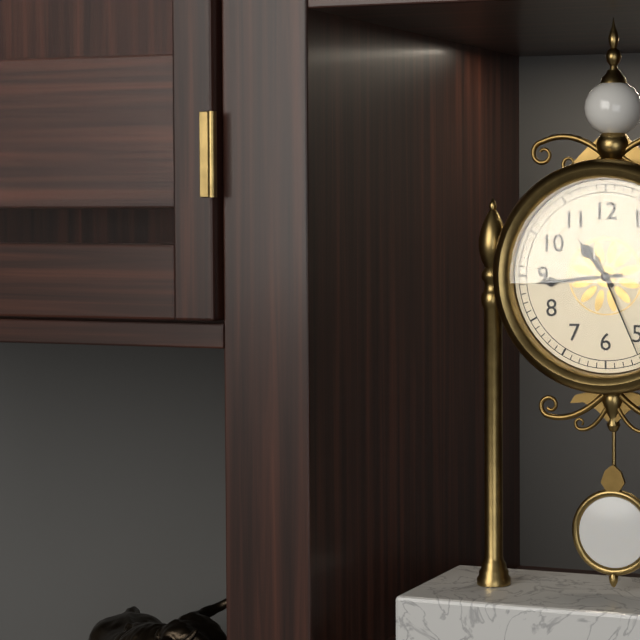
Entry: 10:44:26
